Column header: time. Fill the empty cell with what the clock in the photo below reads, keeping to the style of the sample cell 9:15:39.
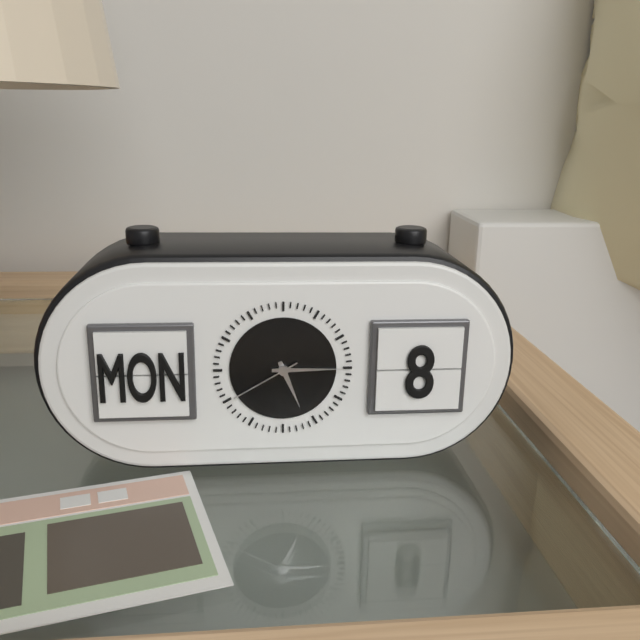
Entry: 5:15:40
